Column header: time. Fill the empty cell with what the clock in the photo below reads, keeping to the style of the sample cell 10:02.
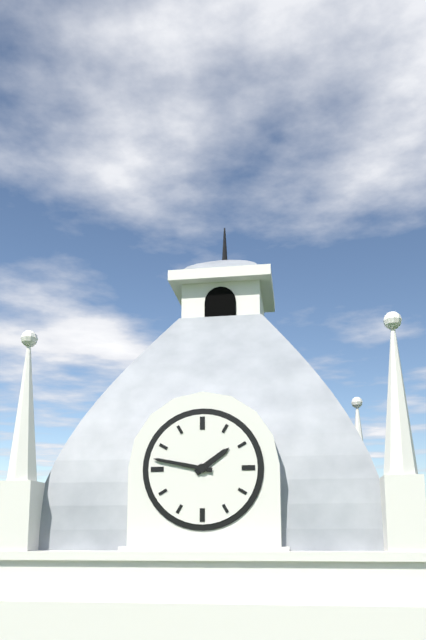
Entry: 1:47
